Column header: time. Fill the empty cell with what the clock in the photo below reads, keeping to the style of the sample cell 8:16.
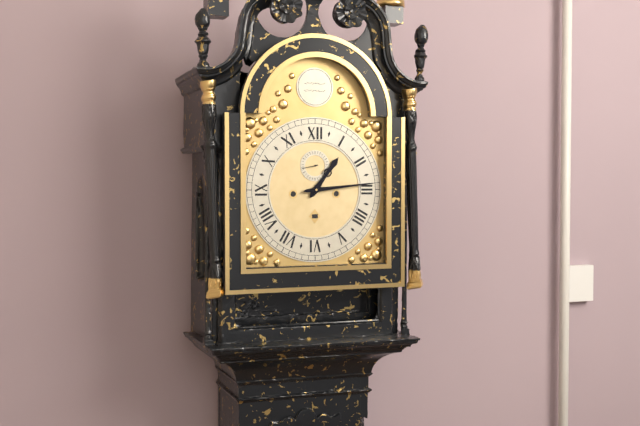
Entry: 1:14
